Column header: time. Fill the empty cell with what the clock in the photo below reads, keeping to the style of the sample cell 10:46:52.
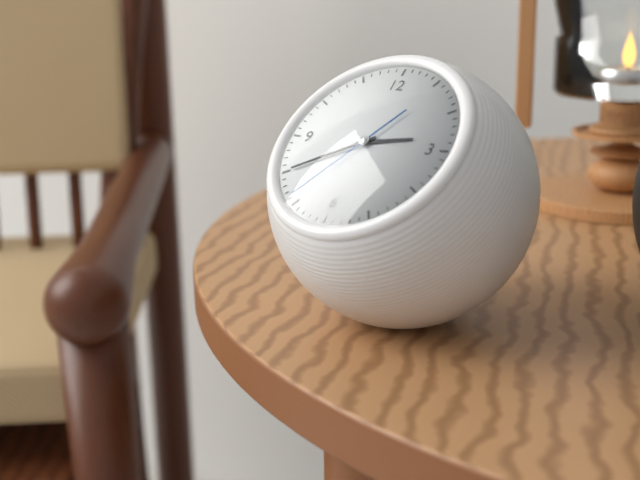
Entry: 2:40:36
